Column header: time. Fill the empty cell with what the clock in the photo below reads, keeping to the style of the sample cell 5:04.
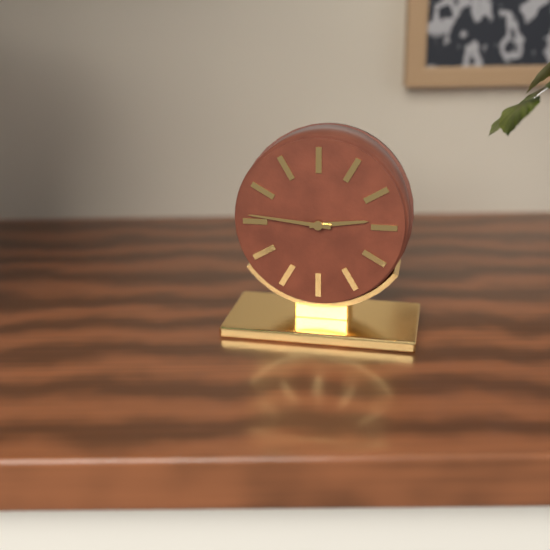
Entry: 2:46
